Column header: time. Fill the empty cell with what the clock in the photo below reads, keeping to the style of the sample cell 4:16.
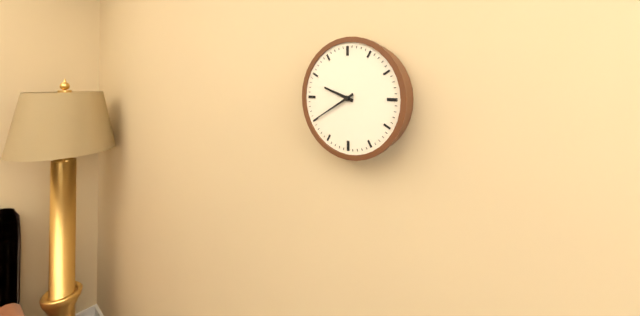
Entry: 9:40
